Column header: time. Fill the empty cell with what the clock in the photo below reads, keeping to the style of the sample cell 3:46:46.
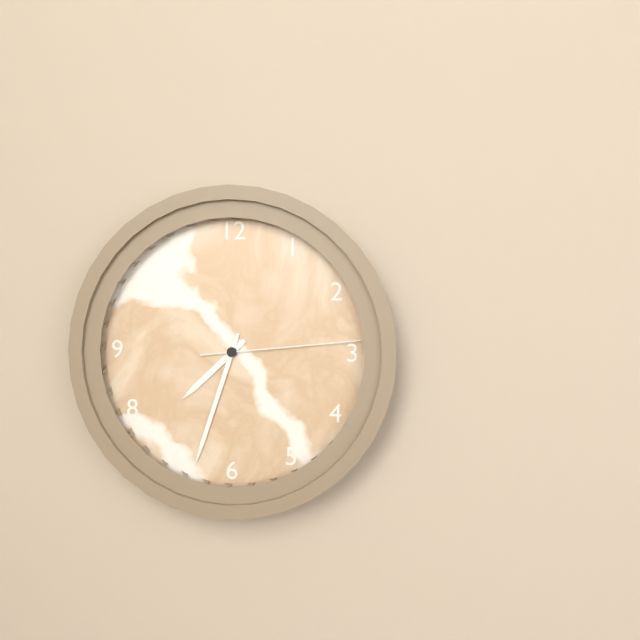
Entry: 7:33:14
